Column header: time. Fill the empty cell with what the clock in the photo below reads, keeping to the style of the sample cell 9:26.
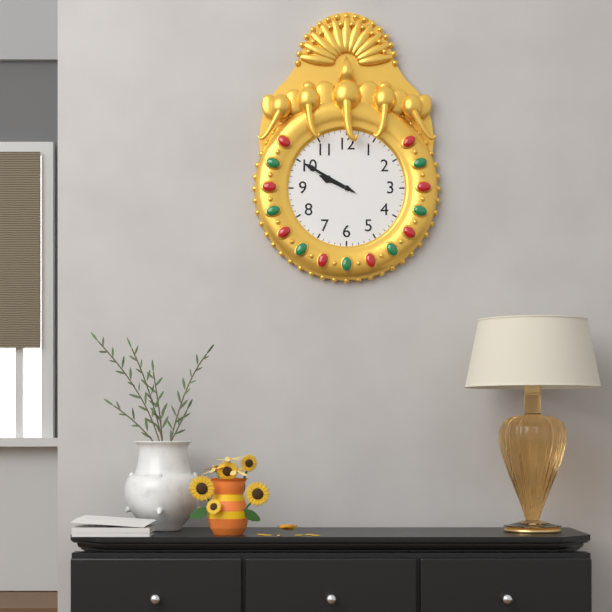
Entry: 9:50
